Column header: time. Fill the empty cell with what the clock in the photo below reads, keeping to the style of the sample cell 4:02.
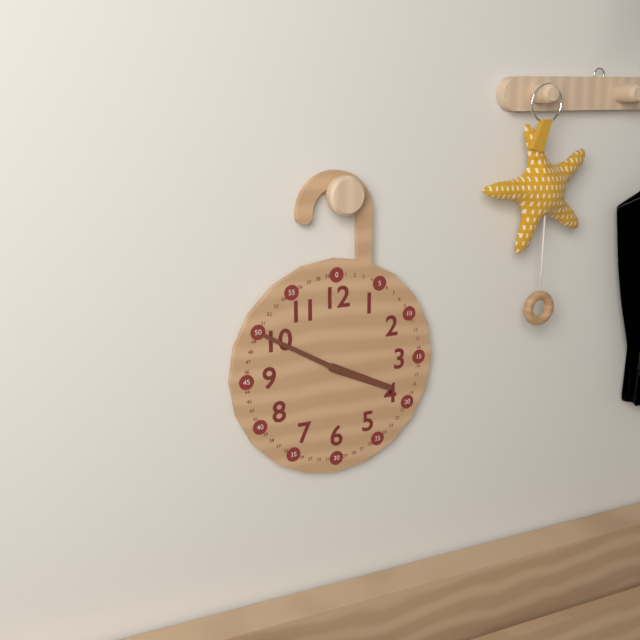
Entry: 3:50
